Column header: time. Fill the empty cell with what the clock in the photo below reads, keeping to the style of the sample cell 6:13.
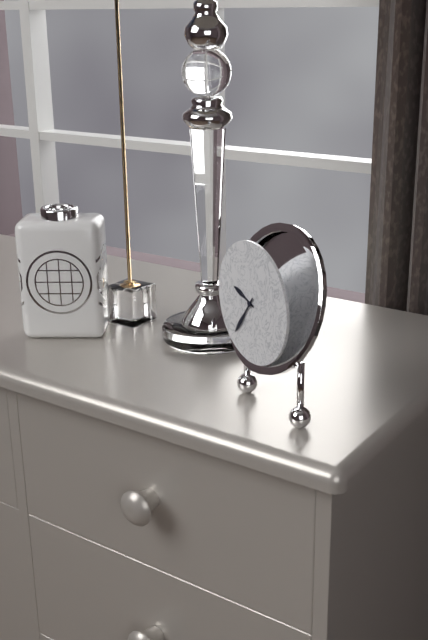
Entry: 9:36
